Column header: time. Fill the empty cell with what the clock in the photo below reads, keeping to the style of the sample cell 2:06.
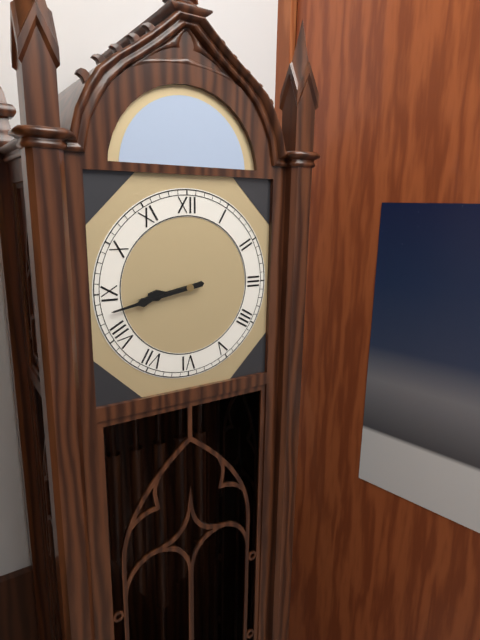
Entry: 8:43
